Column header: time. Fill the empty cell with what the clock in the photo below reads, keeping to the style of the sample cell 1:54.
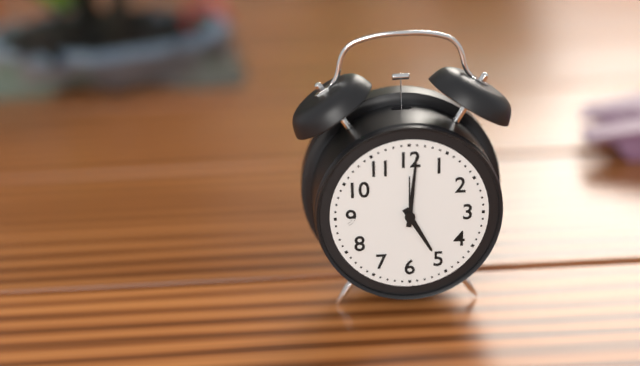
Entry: 5:01
